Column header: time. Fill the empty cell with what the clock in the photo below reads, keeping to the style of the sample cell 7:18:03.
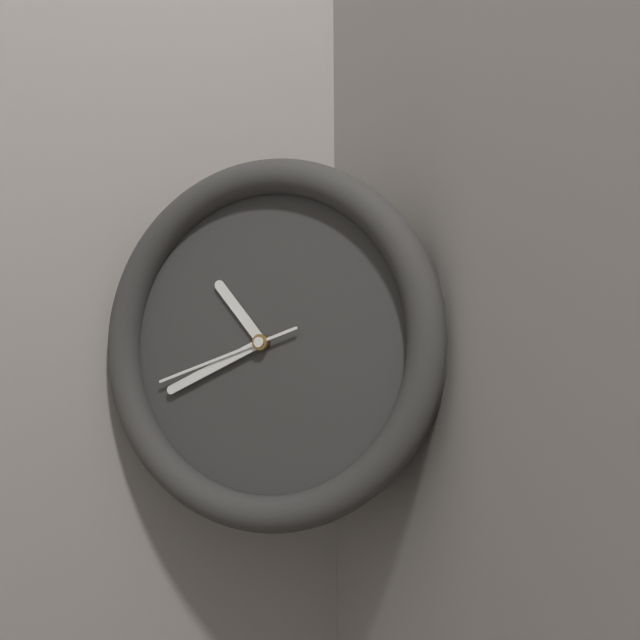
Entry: 10:41:42
